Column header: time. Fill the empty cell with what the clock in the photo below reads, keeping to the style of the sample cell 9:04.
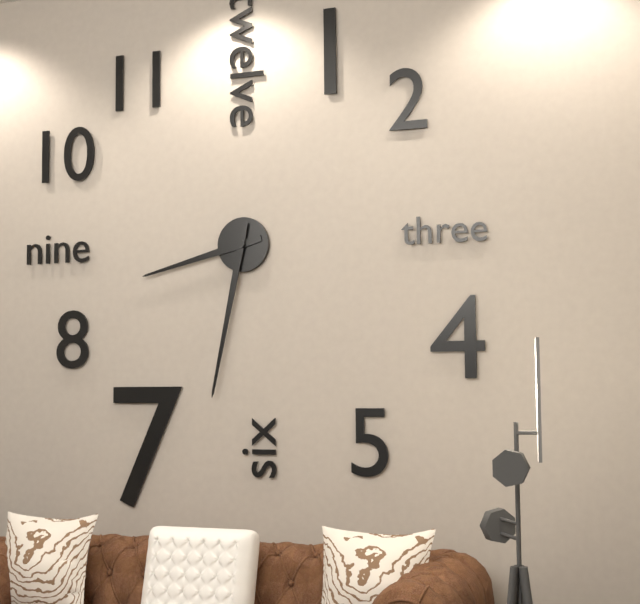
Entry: 8:32
